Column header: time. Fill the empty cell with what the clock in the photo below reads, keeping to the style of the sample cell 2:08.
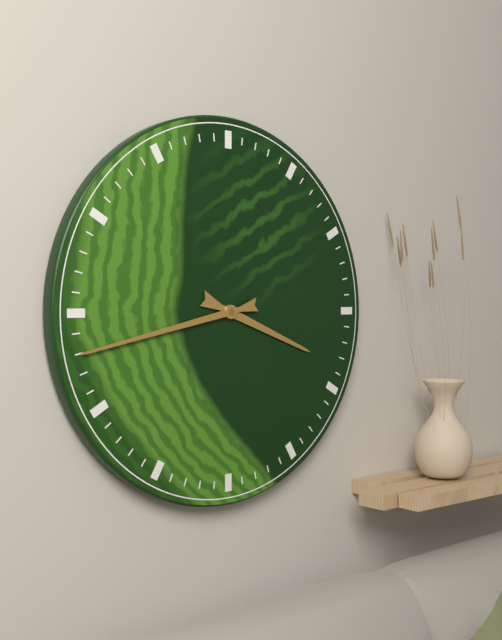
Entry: 3:43
